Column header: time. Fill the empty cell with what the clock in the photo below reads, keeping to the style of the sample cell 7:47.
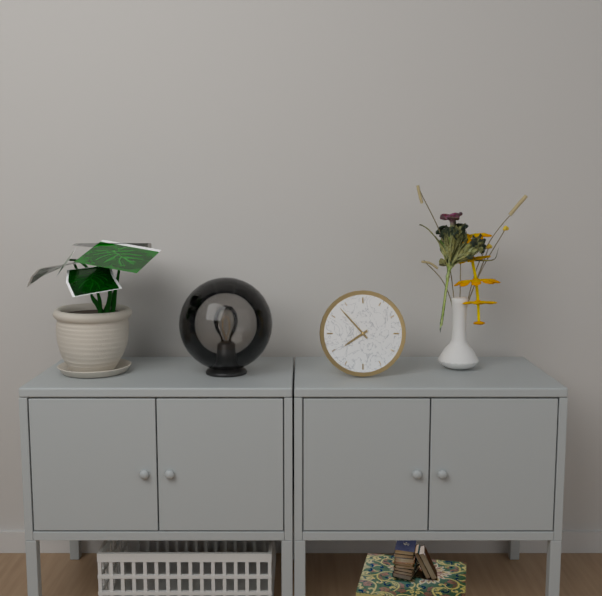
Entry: 7:53
